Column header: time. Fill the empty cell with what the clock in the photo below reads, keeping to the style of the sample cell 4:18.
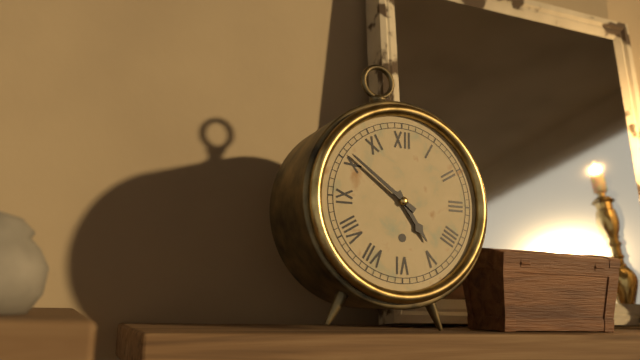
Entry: 4:51
